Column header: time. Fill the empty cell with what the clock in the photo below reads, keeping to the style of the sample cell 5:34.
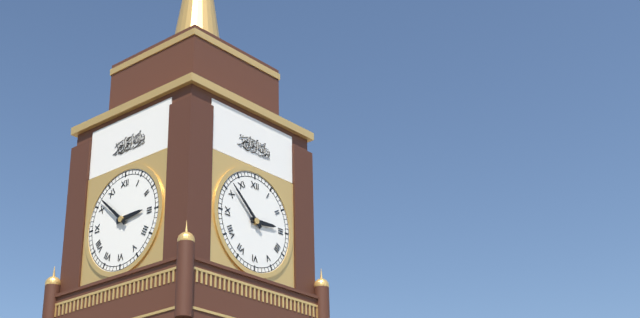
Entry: 2:52
